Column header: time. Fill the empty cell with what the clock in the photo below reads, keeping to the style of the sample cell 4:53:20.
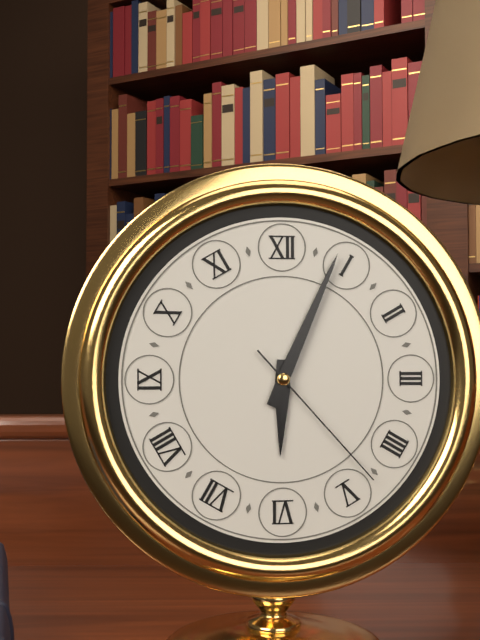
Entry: 6:04:23
